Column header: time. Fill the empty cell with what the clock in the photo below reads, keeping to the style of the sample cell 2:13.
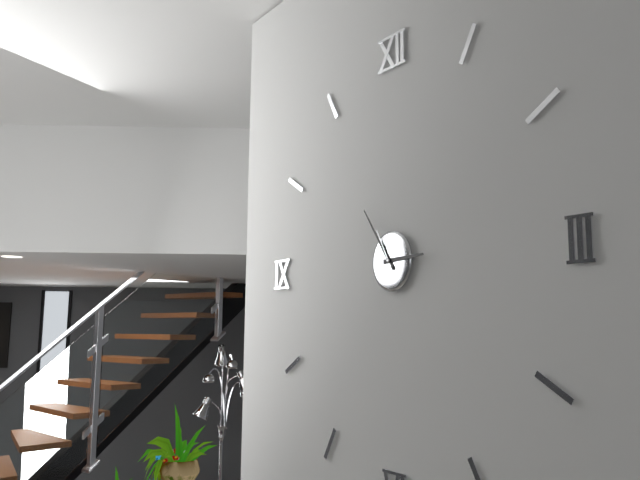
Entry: 2:54
